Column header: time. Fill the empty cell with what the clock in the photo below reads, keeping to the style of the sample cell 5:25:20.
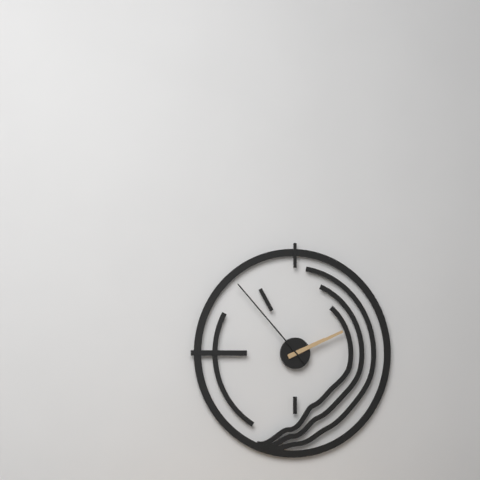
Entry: 2:11:53
